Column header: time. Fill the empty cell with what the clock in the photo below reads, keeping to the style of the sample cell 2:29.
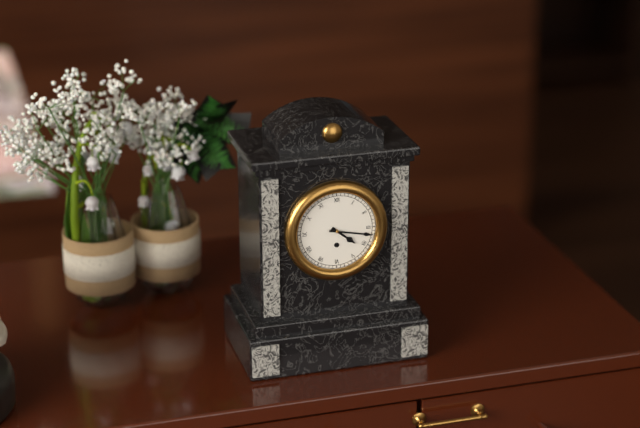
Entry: 4:17
